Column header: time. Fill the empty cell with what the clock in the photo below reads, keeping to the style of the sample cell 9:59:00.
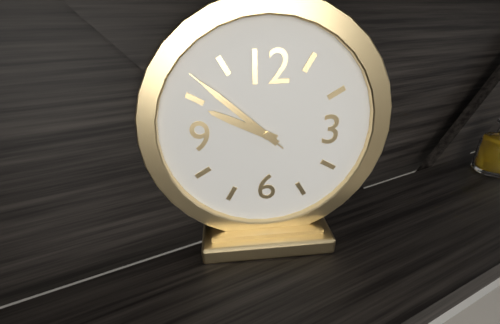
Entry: 9:52:52
